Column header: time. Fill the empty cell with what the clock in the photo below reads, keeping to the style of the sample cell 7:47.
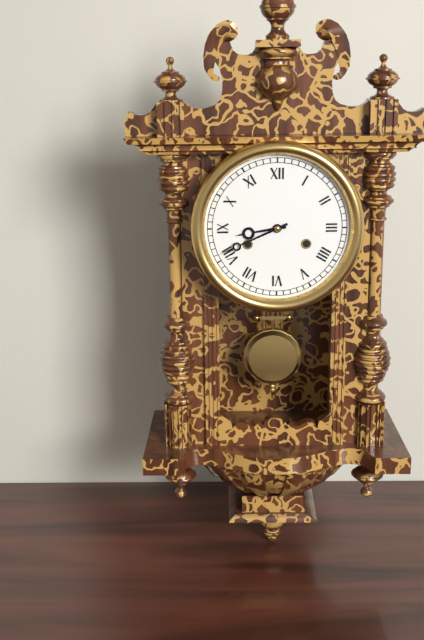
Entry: 8:41
